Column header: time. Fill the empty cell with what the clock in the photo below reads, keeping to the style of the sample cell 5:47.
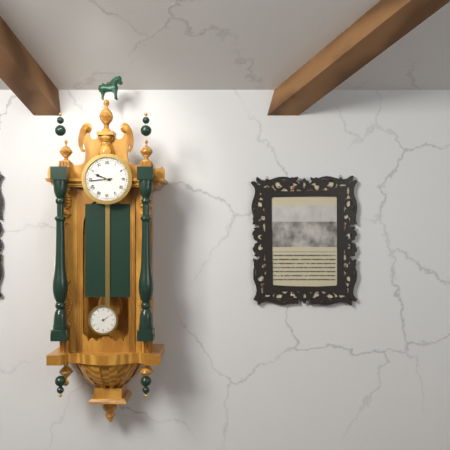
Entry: 9:44
